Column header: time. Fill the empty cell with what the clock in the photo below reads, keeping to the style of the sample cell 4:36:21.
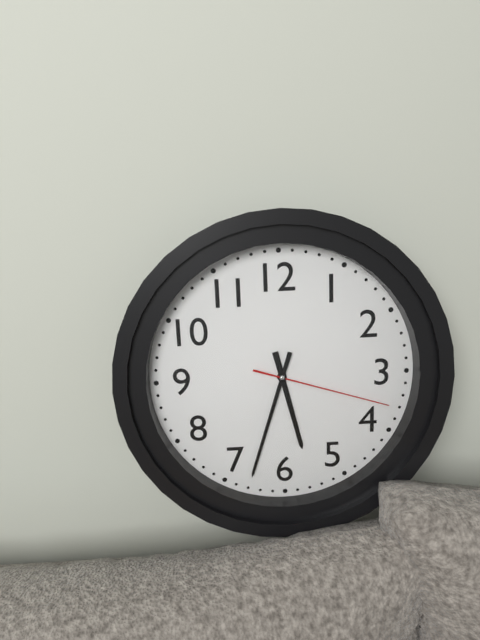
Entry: 5:33:18
